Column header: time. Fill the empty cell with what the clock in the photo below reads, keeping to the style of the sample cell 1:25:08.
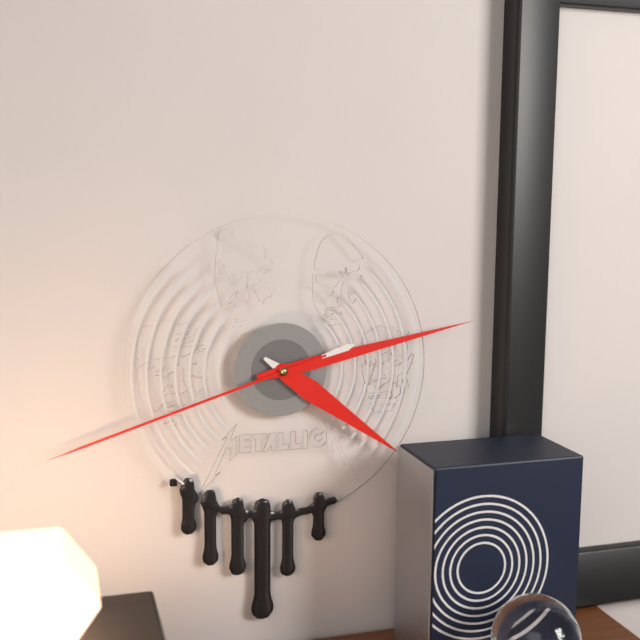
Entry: 4:13:42
